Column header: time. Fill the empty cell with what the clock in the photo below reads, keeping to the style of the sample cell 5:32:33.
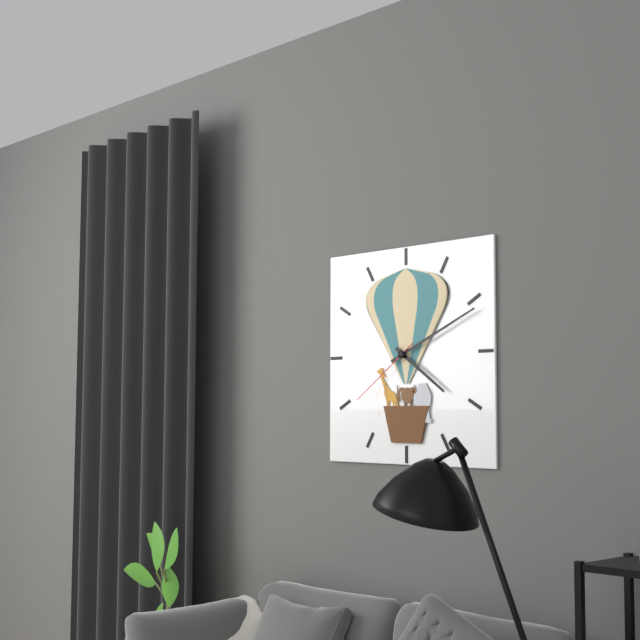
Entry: 4:11:39
